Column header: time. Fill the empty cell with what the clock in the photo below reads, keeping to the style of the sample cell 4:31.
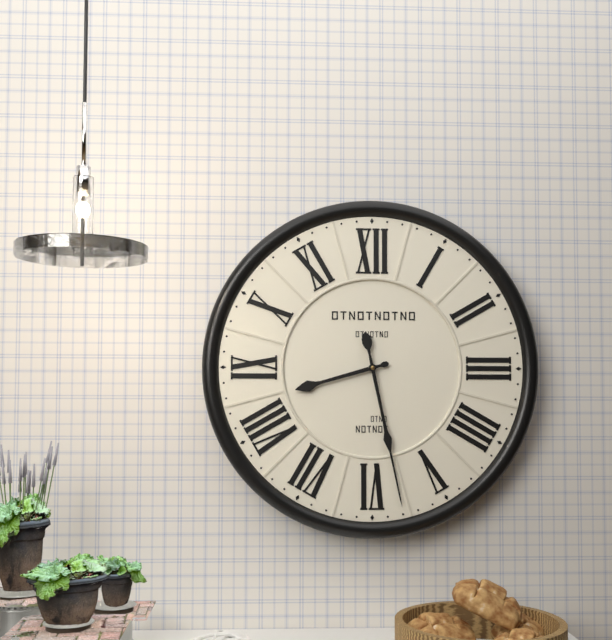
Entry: 8:28
